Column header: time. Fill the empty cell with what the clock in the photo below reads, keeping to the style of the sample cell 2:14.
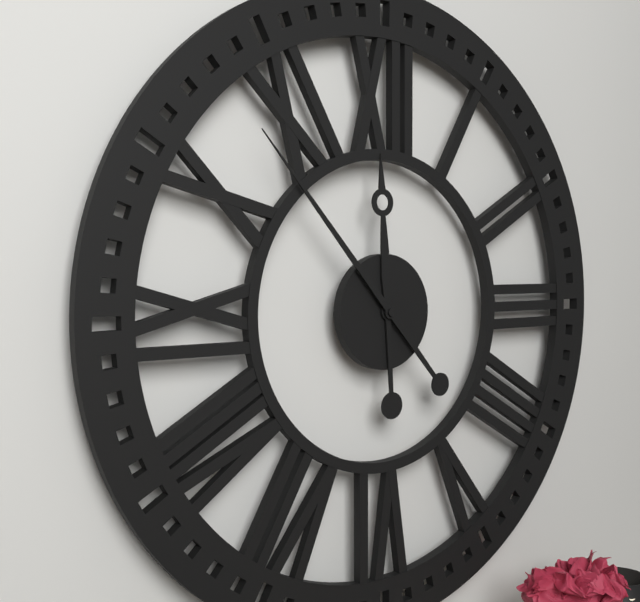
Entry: 11:53
